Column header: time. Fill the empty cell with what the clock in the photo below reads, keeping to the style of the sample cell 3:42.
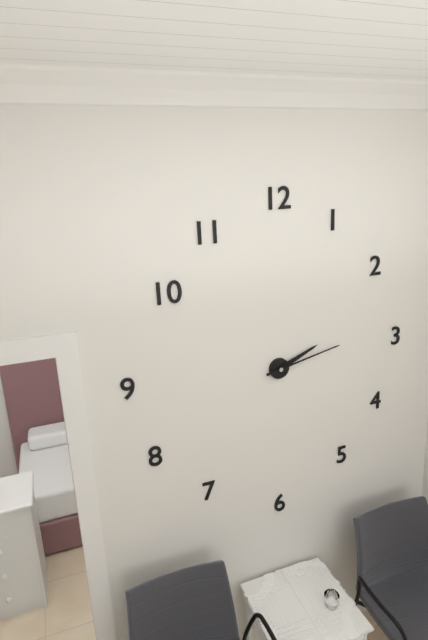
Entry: 2:13
